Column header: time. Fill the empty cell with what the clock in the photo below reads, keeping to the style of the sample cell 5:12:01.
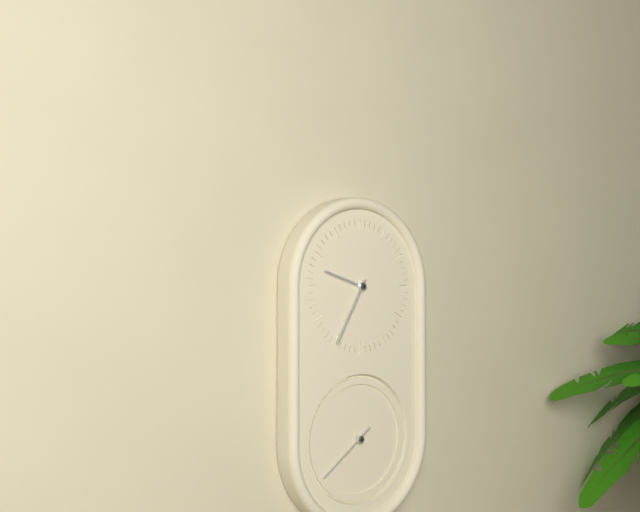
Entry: 9:35:39
